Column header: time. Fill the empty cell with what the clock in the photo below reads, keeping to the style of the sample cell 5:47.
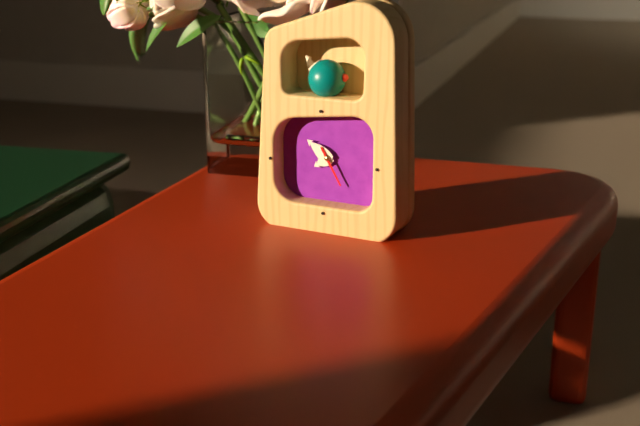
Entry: 7:51
